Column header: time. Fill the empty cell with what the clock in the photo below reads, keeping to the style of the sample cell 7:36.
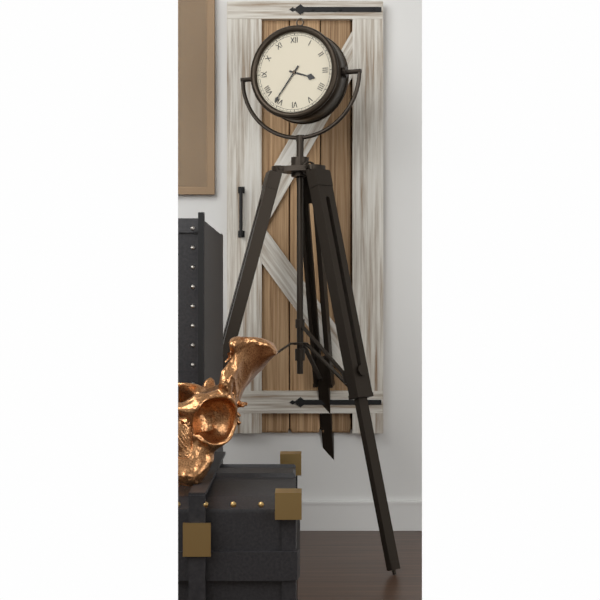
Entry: 3:36
